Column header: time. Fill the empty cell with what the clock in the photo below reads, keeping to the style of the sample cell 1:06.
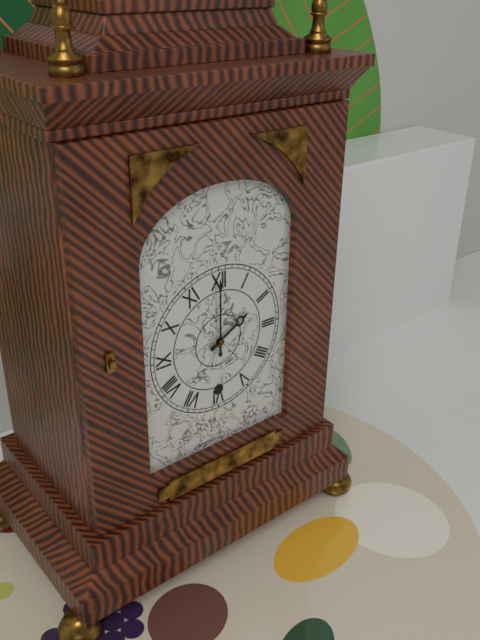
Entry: 2:00
